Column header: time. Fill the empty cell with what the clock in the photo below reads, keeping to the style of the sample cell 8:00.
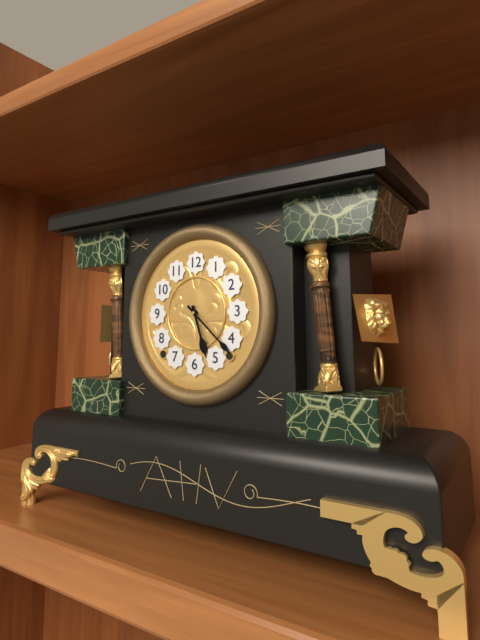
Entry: 5:22
